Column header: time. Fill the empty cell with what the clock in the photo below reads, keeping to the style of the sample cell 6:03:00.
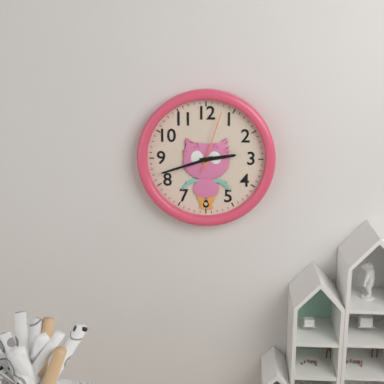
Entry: 2:42:03
